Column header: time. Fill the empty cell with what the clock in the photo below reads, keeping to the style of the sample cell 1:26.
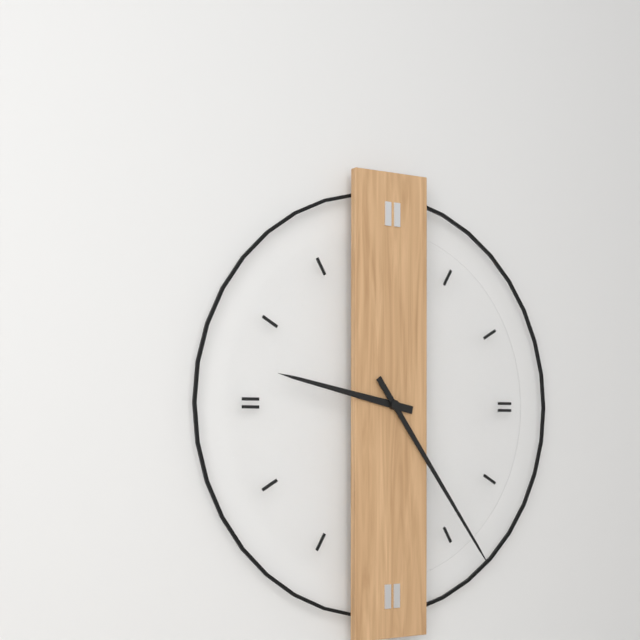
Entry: 9:24
